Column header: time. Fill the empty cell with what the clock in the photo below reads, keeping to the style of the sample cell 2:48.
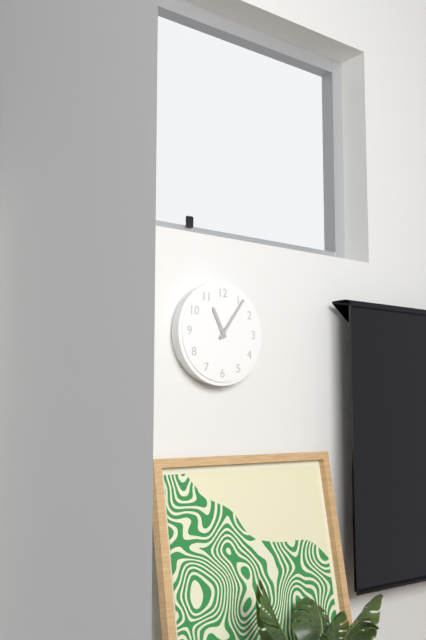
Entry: 11:06
